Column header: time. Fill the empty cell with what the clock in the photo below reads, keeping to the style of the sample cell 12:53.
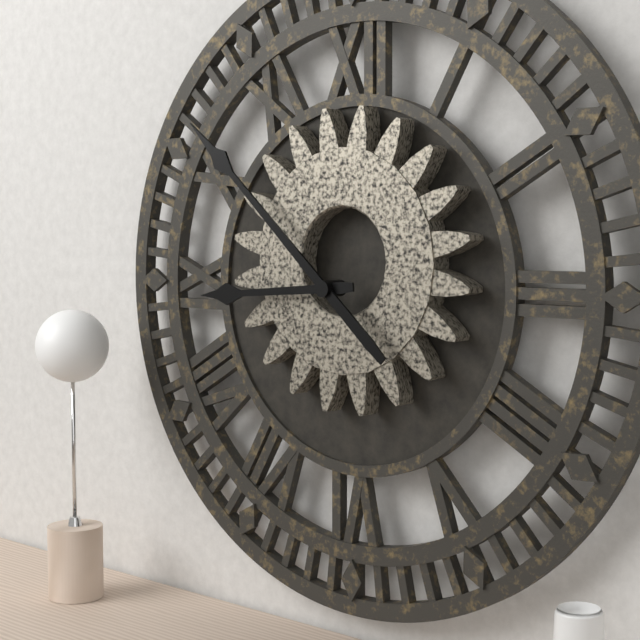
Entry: 8:52
